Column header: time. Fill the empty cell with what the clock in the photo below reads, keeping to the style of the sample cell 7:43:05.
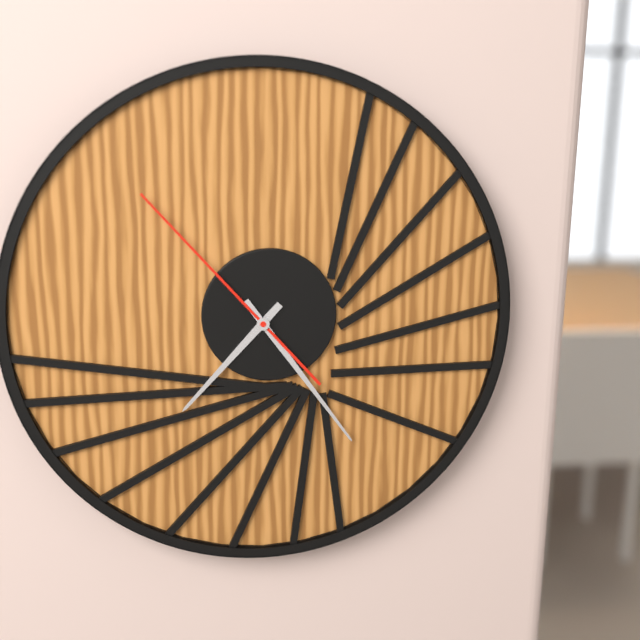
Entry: 7:24:53
